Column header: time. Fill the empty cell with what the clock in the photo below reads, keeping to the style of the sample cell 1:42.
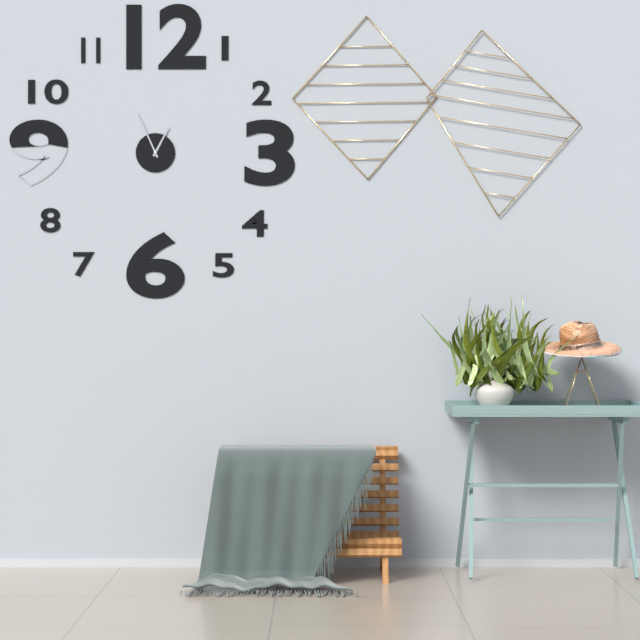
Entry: 12:56
